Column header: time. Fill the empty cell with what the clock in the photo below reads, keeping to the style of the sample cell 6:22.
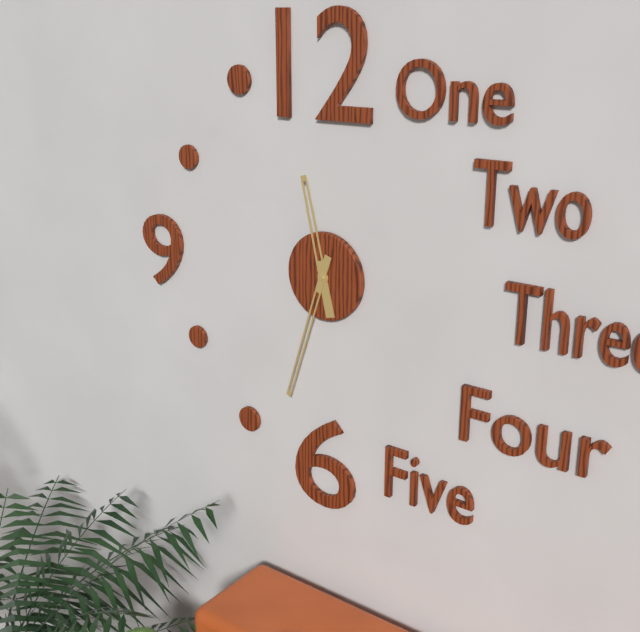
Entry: 11:33
